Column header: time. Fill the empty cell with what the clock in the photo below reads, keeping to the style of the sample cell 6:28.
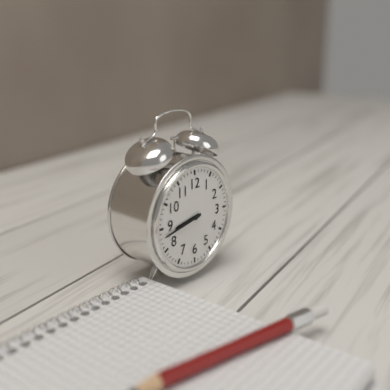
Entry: 8:43
